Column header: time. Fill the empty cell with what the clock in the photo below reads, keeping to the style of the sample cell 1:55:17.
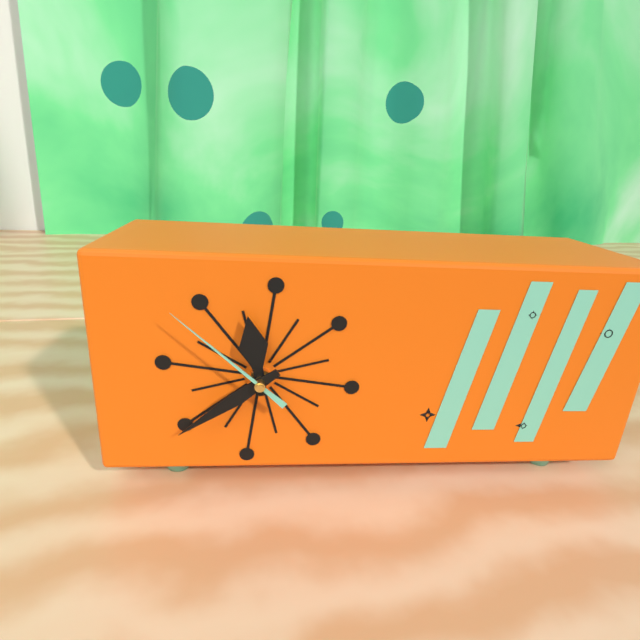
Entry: 11:39:52
